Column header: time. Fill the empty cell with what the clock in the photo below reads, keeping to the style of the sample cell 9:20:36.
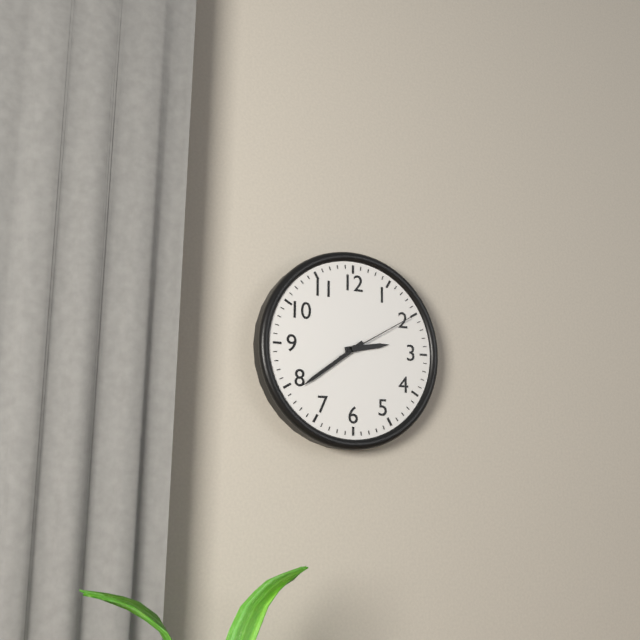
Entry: 2:39:10
